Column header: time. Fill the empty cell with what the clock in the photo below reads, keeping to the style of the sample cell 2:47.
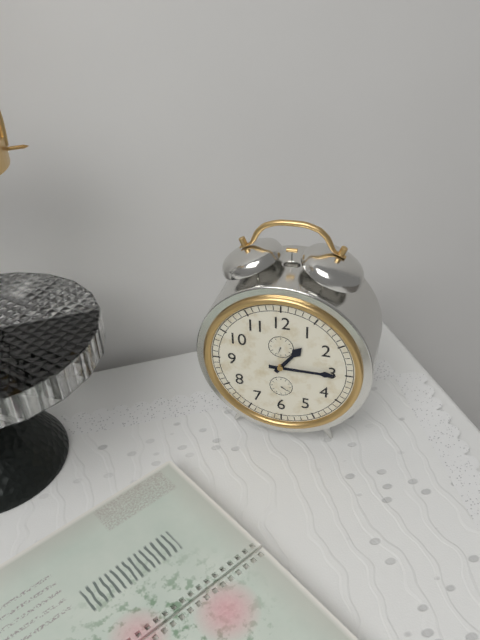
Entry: 1:15
